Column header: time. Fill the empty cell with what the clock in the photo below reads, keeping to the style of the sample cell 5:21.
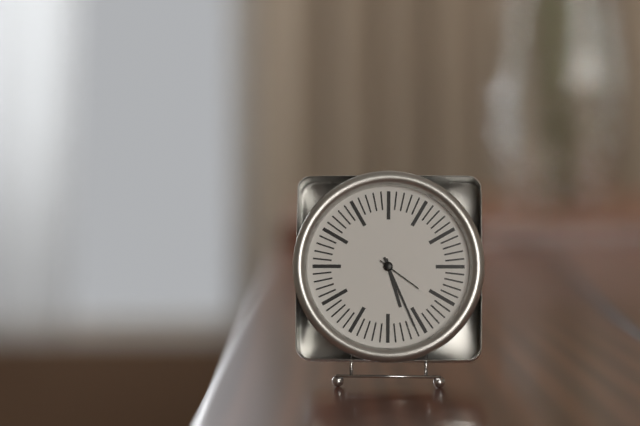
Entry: 5:26
